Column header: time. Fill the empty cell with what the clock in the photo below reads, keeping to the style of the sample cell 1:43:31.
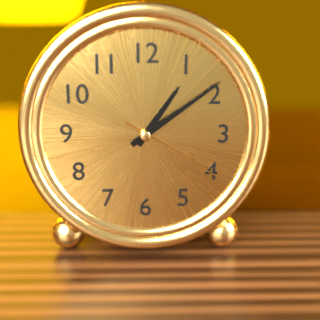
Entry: 1:09:20
